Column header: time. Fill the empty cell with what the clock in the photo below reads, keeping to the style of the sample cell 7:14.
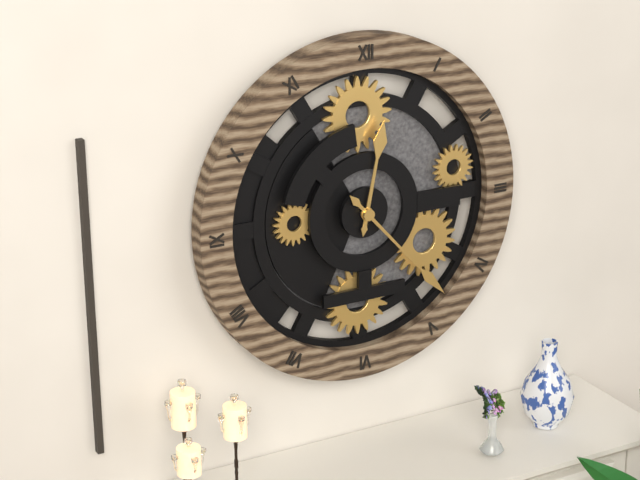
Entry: 12:23
